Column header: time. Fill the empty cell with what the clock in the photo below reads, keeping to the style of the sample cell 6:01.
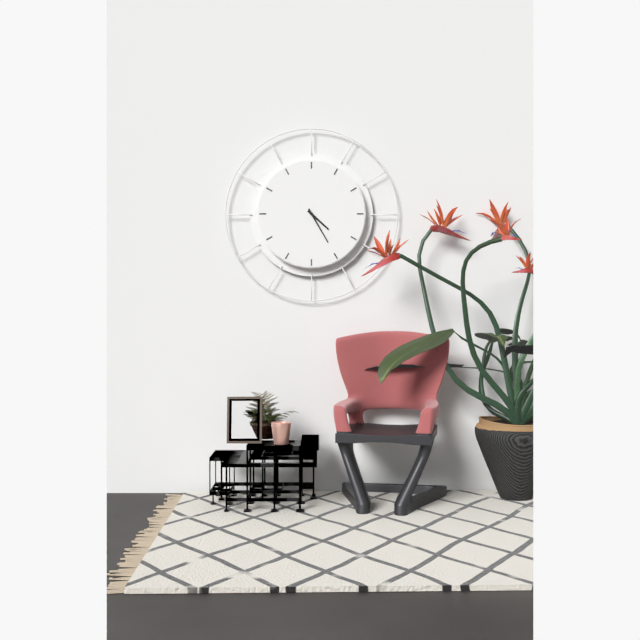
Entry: 4:25
